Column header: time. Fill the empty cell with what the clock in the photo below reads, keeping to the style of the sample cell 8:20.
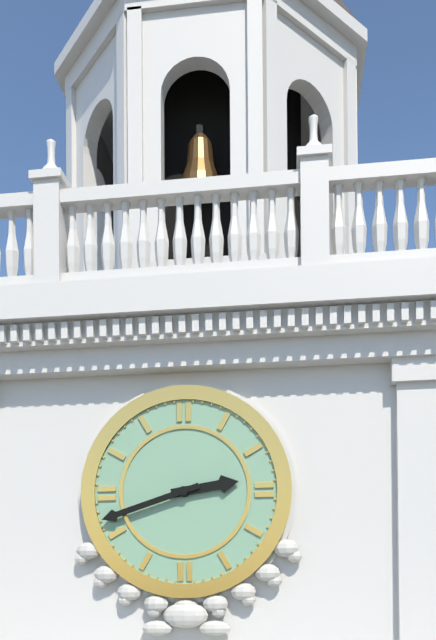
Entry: 2:42
